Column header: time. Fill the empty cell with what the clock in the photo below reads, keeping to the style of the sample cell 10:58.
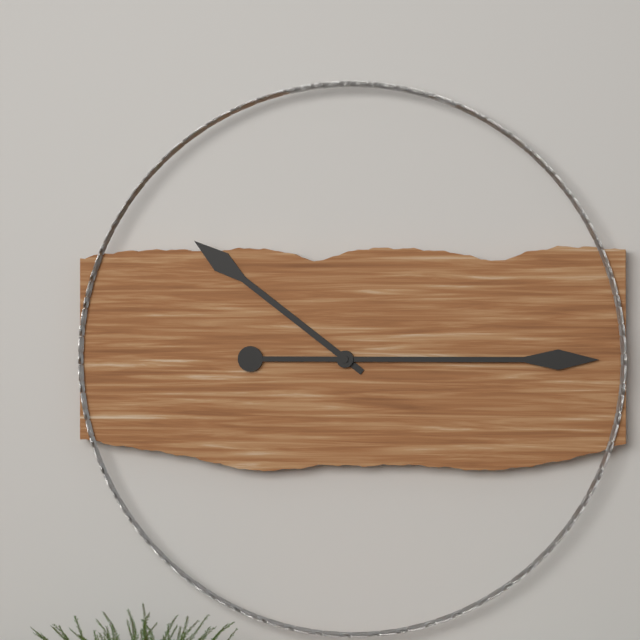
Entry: 10:15
